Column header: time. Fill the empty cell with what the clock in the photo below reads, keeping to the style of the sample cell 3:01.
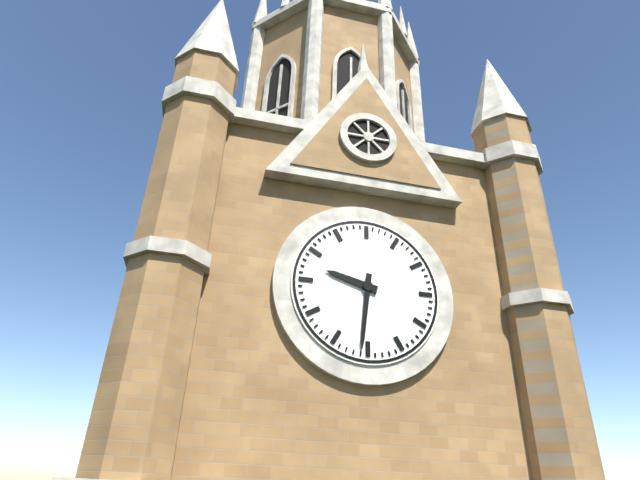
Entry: 9:31
